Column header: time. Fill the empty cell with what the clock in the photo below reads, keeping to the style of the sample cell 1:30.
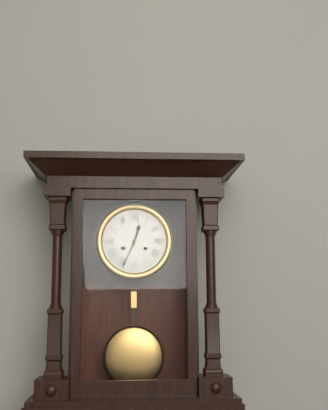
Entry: 12:34
